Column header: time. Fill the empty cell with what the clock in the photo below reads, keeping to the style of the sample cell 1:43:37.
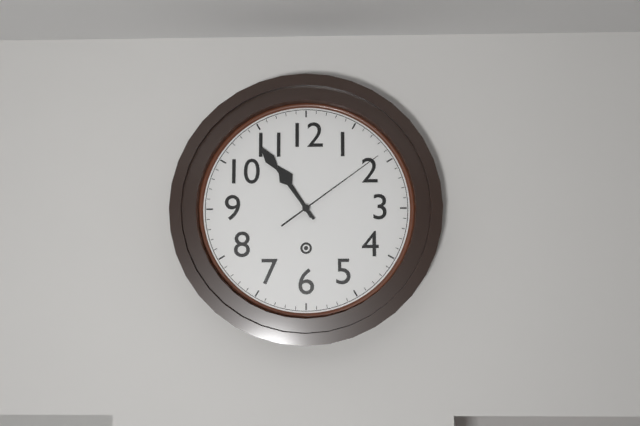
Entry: 10:54:09
